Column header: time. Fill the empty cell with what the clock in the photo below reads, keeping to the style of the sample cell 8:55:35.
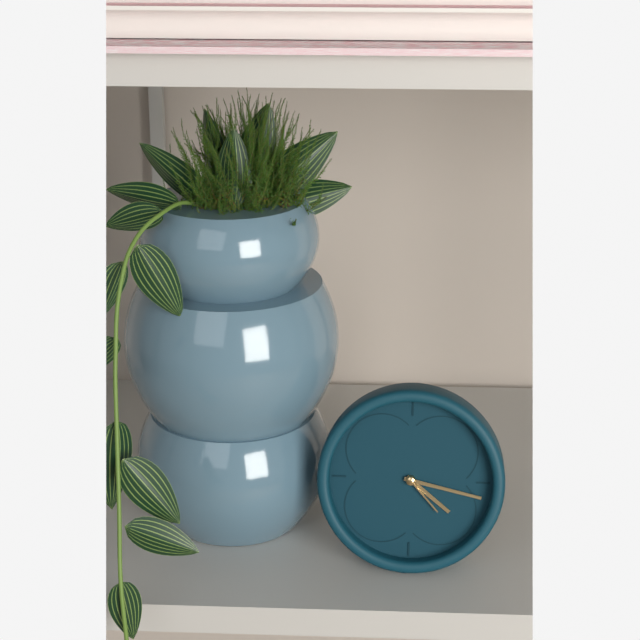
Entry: 4:17:23
